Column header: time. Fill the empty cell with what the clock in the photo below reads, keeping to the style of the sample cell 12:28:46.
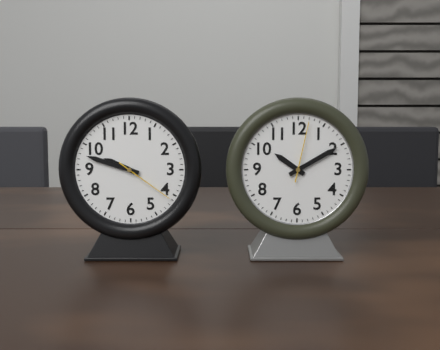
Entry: 9:48:21
